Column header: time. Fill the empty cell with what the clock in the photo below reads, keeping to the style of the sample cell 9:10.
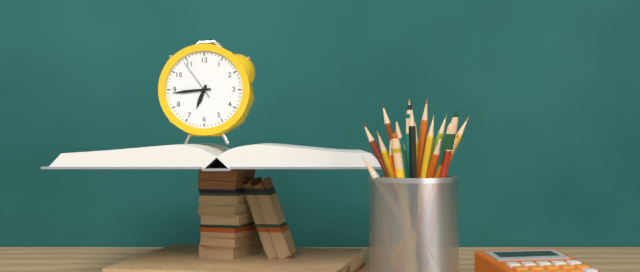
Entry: 6:44
